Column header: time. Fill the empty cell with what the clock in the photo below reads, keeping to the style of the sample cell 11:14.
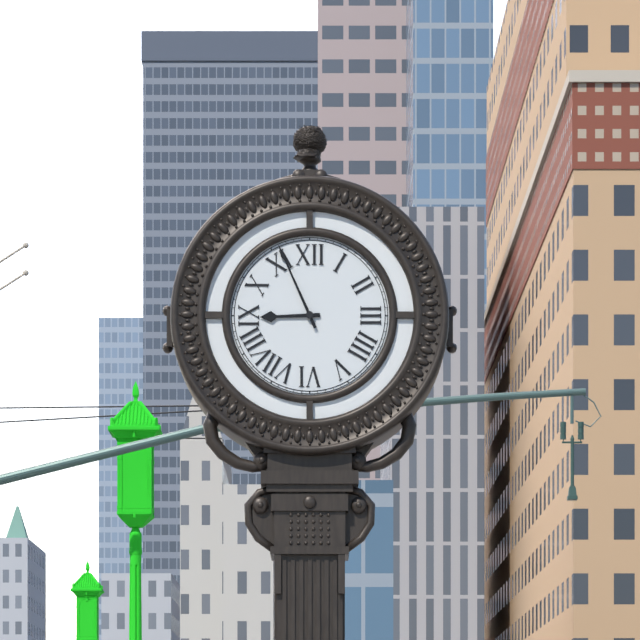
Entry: 8:56
